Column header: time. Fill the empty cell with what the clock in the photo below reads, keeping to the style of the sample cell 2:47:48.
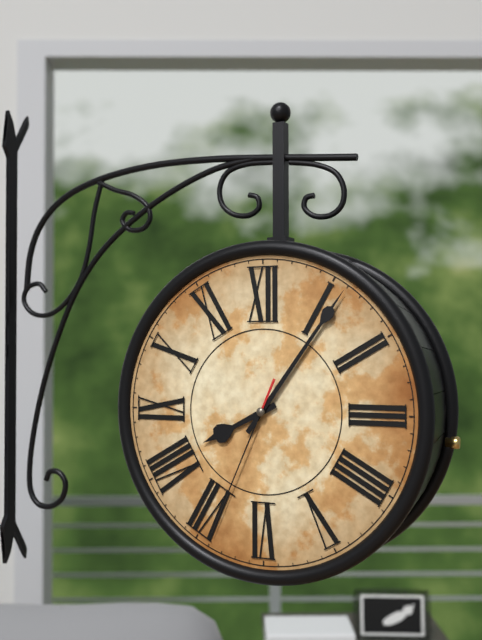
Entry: 8:06:34
